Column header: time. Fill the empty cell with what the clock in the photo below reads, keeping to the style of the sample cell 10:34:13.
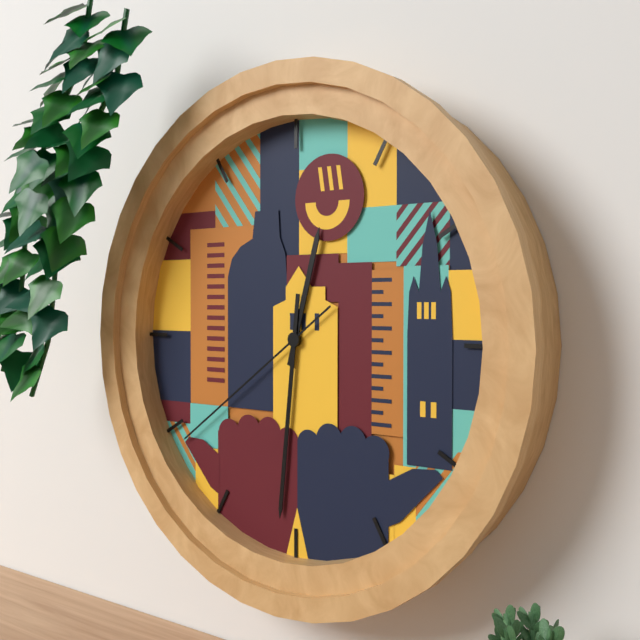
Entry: 12:31:39
